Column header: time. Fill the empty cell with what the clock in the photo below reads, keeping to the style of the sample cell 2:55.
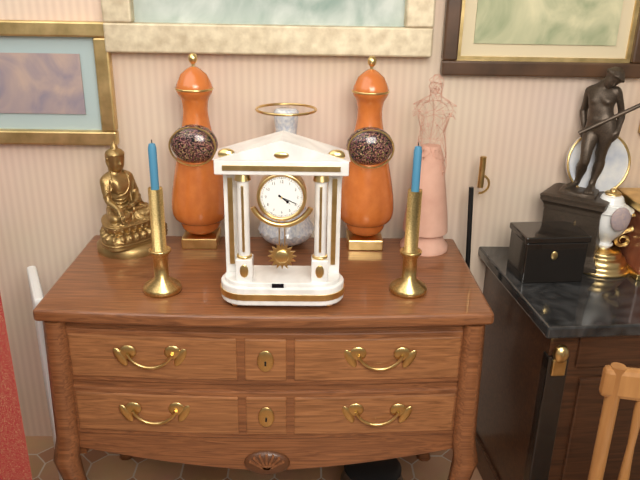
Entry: 4:19
